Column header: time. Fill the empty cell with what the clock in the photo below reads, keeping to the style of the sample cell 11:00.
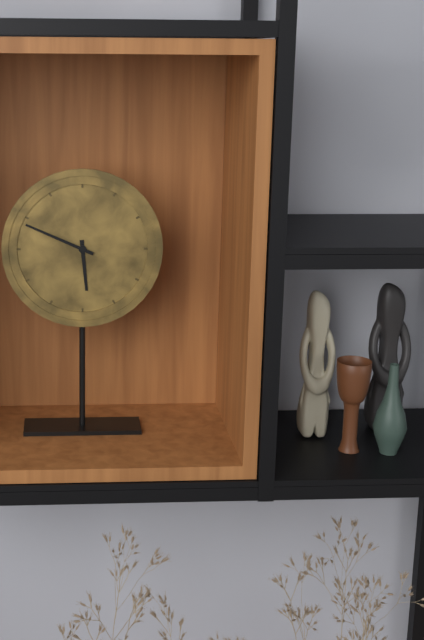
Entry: 5:49
